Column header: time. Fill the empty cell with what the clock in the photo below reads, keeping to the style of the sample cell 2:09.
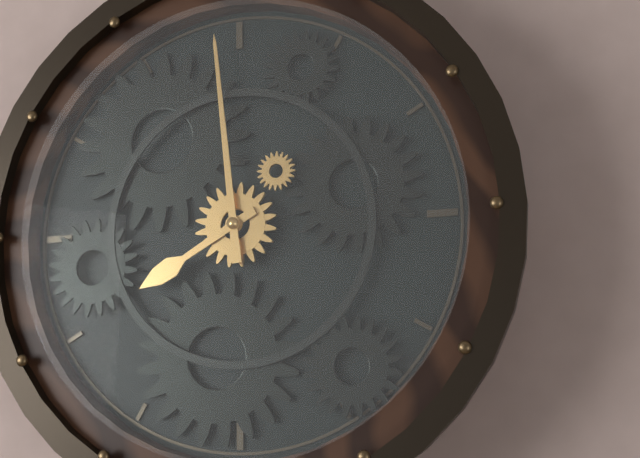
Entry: 7:59
